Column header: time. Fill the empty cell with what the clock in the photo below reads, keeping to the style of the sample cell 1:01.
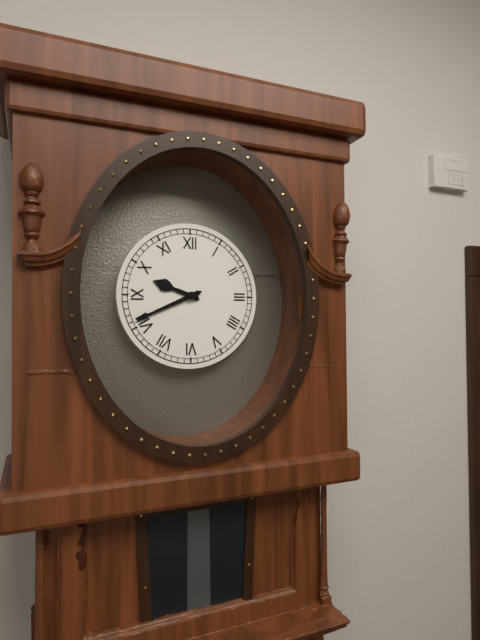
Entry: 9:41
